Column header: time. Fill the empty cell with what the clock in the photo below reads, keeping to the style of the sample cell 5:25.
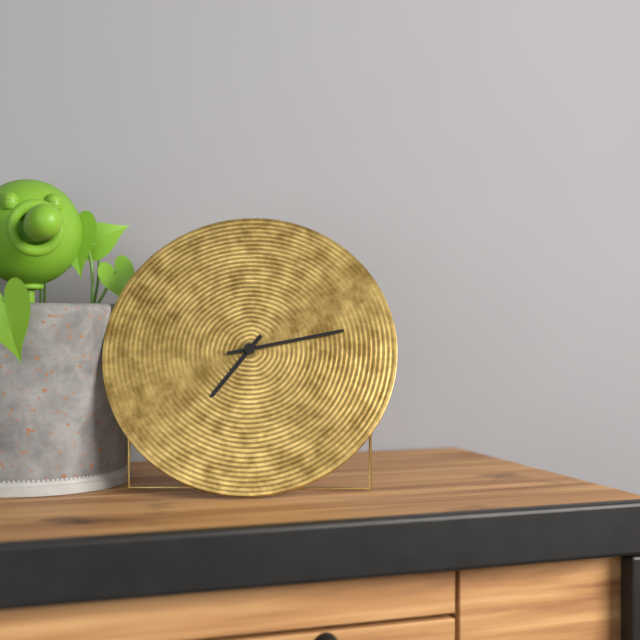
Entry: 7:13
